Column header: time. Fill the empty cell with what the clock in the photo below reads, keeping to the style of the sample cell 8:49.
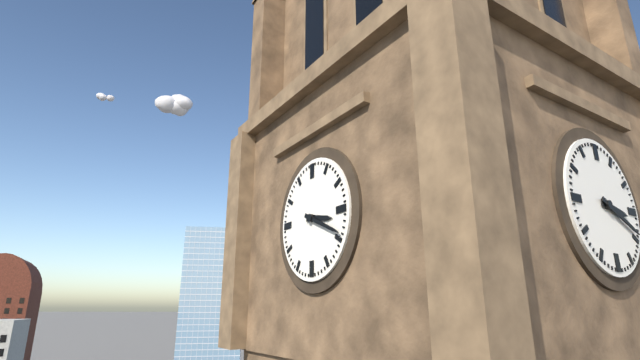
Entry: 3:19
